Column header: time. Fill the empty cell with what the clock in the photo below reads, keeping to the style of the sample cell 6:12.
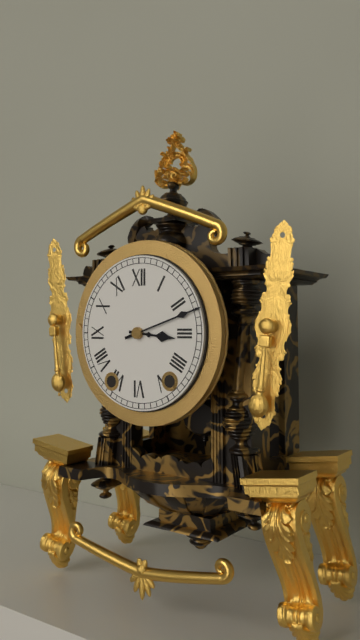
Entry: 3:12
